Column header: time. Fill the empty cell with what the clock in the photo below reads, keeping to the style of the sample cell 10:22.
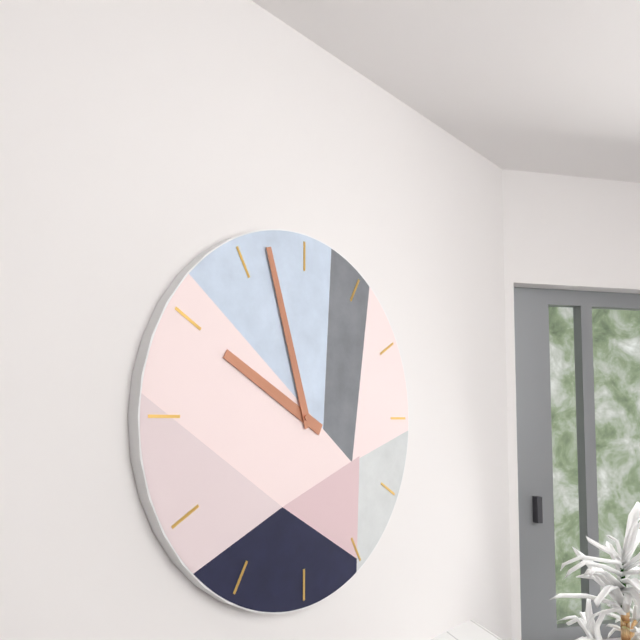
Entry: 9:57
